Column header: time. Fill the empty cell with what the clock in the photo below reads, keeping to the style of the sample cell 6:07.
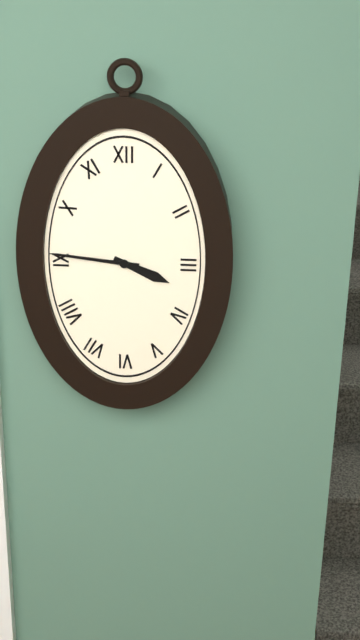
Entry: 3:46
